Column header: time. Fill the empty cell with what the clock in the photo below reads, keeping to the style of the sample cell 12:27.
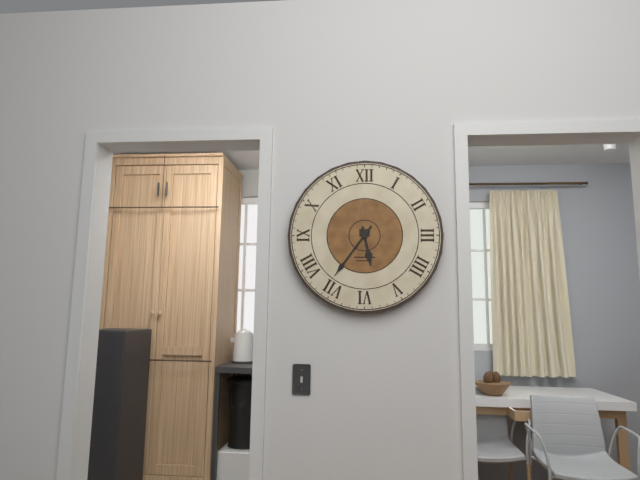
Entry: 5:36
